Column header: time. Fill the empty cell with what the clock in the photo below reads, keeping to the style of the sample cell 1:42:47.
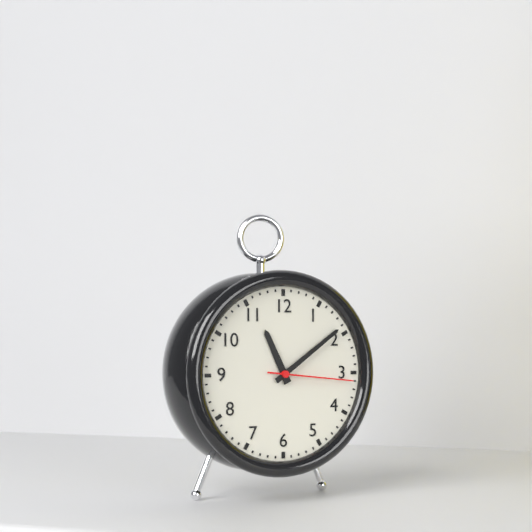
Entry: 11:09:16
